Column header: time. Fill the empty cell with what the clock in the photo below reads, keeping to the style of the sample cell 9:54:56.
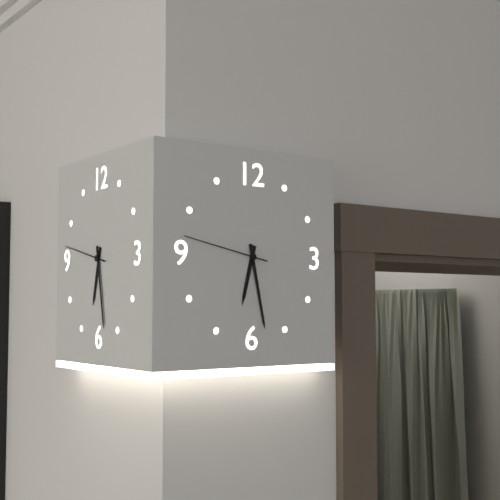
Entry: 6:28:47
